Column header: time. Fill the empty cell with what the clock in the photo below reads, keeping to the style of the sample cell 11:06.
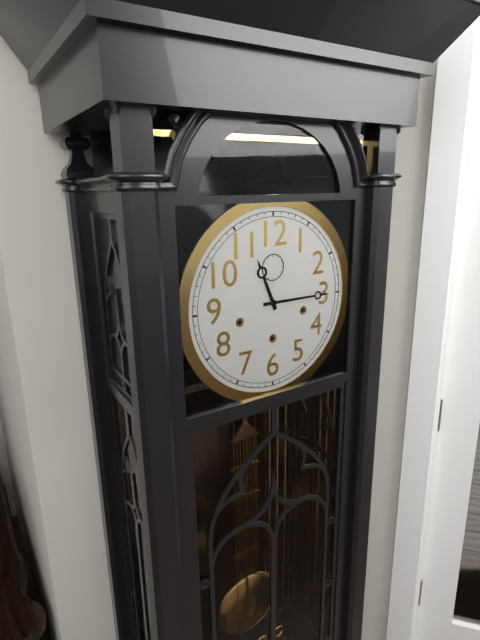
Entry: 11:15
